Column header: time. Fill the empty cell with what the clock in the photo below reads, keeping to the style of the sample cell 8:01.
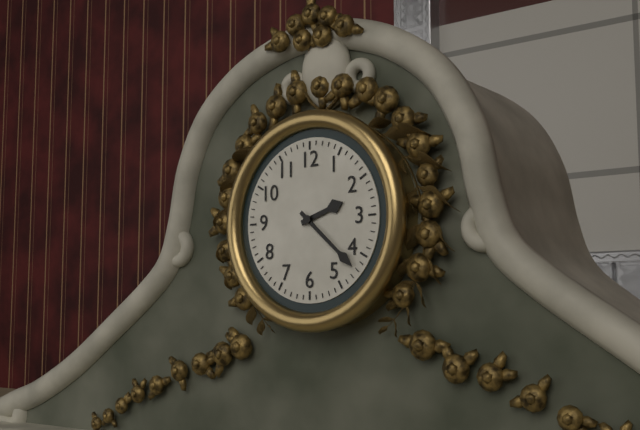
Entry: 2:22
